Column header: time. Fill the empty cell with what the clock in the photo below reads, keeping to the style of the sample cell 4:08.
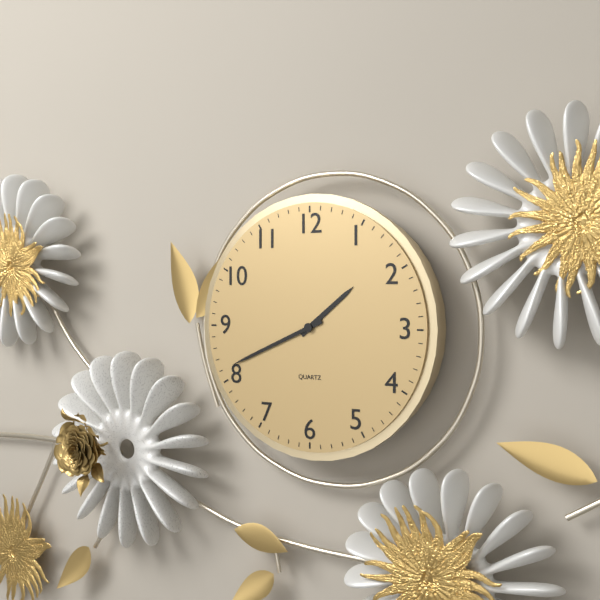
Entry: 1:41
